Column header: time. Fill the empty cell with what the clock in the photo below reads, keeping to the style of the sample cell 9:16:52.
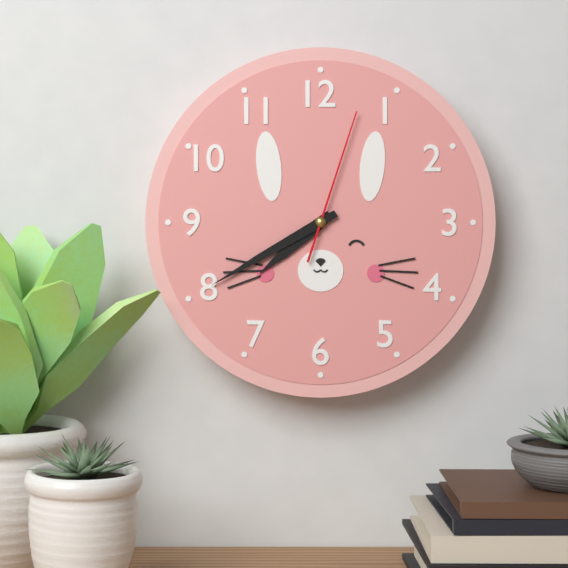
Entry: 7:40:03
